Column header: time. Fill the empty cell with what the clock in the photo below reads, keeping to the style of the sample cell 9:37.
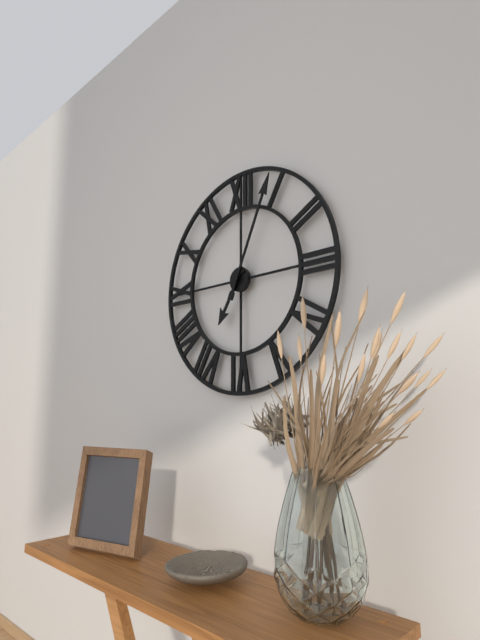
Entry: 7:04
